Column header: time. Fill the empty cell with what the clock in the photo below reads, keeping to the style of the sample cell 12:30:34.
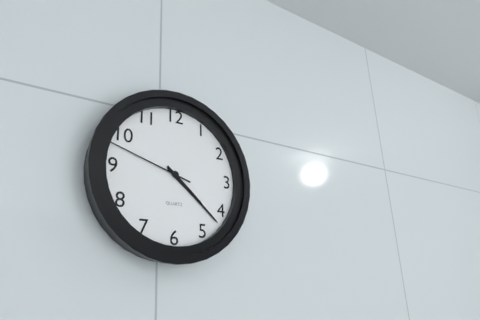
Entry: 4:22:48
